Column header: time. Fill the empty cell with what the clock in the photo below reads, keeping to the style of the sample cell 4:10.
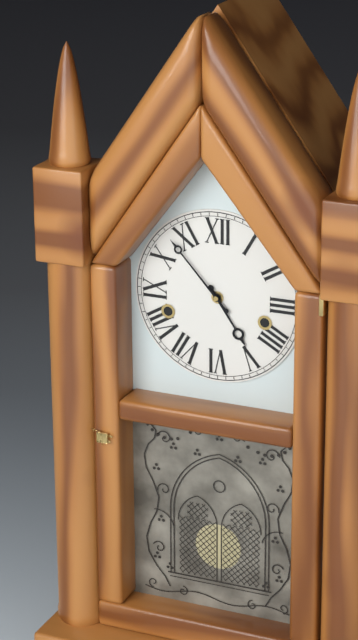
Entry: 4:53
